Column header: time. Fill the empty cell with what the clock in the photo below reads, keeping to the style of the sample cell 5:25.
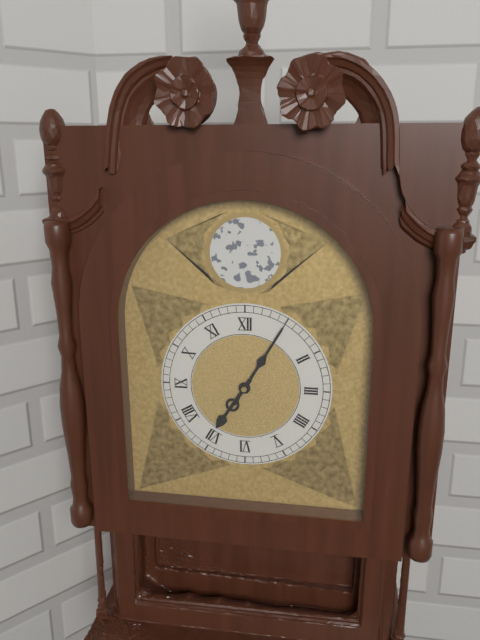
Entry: 7:05
